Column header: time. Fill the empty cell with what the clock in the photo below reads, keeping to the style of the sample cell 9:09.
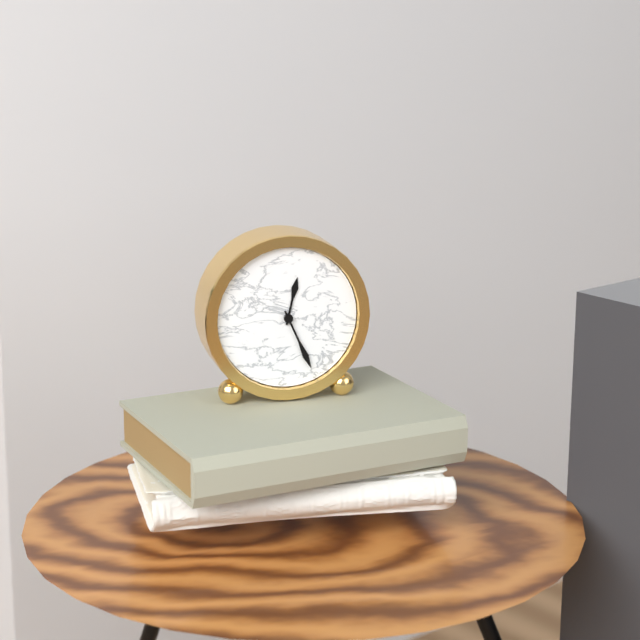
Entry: 12:26
